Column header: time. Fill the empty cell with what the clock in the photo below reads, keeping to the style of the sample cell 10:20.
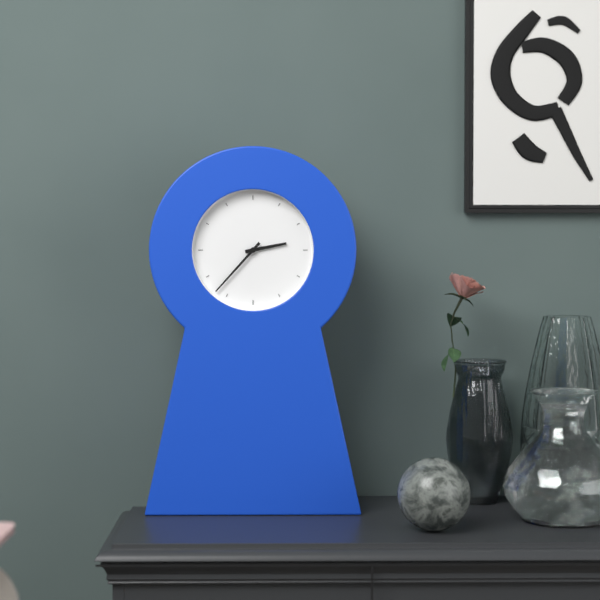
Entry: 2:37
